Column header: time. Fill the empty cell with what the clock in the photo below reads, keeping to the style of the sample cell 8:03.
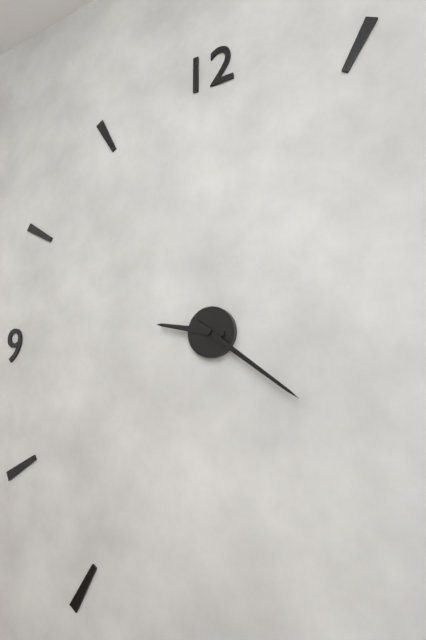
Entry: 9:21
